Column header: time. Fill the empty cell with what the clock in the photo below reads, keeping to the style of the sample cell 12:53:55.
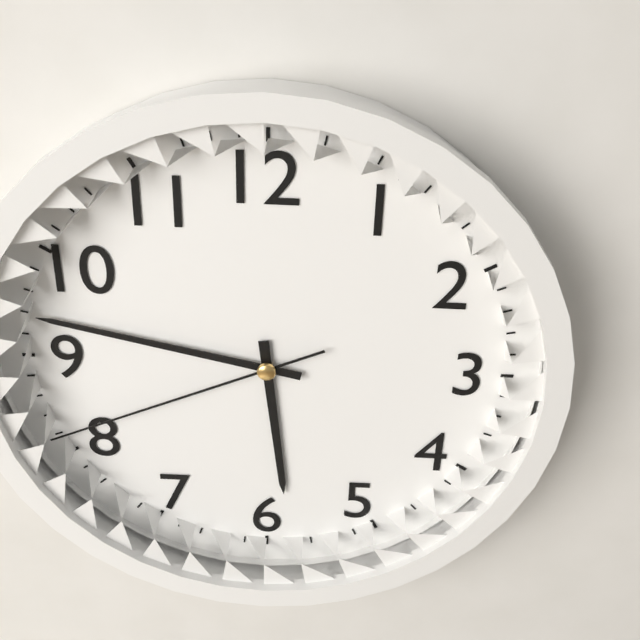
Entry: 5:47:41
